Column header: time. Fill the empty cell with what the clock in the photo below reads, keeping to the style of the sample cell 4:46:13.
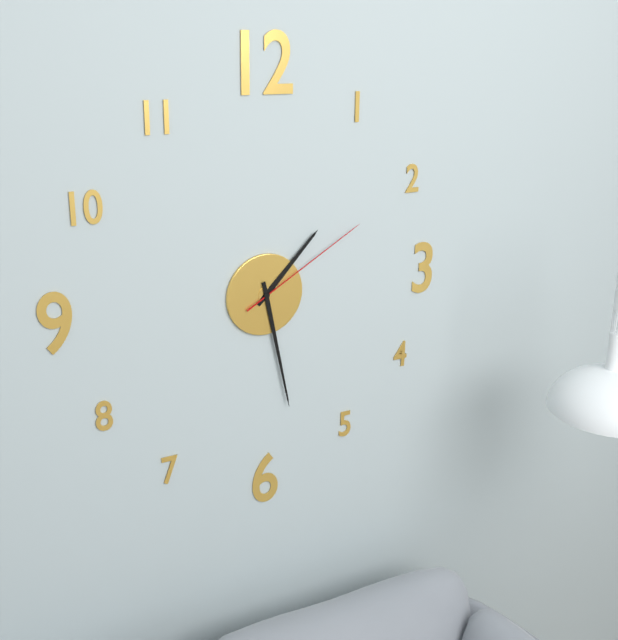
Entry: 1:28:10
